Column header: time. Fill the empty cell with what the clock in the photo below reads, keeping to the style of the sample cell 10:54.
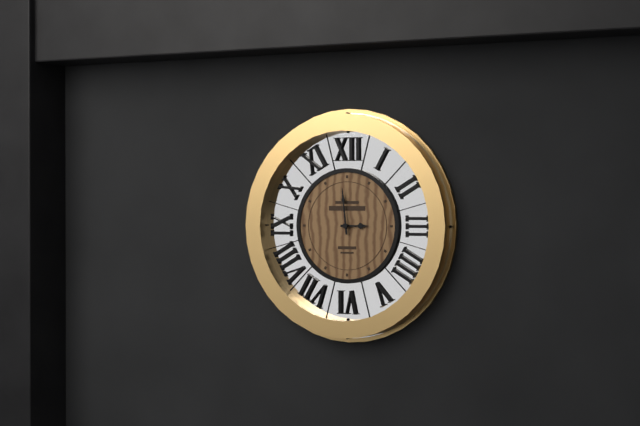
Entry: 2:59
